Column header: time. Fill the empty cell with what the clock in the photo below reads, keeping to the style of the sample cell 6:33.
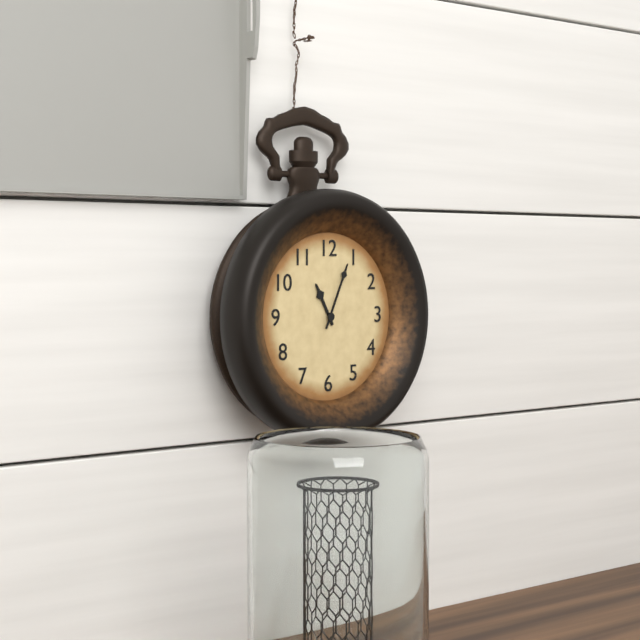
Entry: 11:04
